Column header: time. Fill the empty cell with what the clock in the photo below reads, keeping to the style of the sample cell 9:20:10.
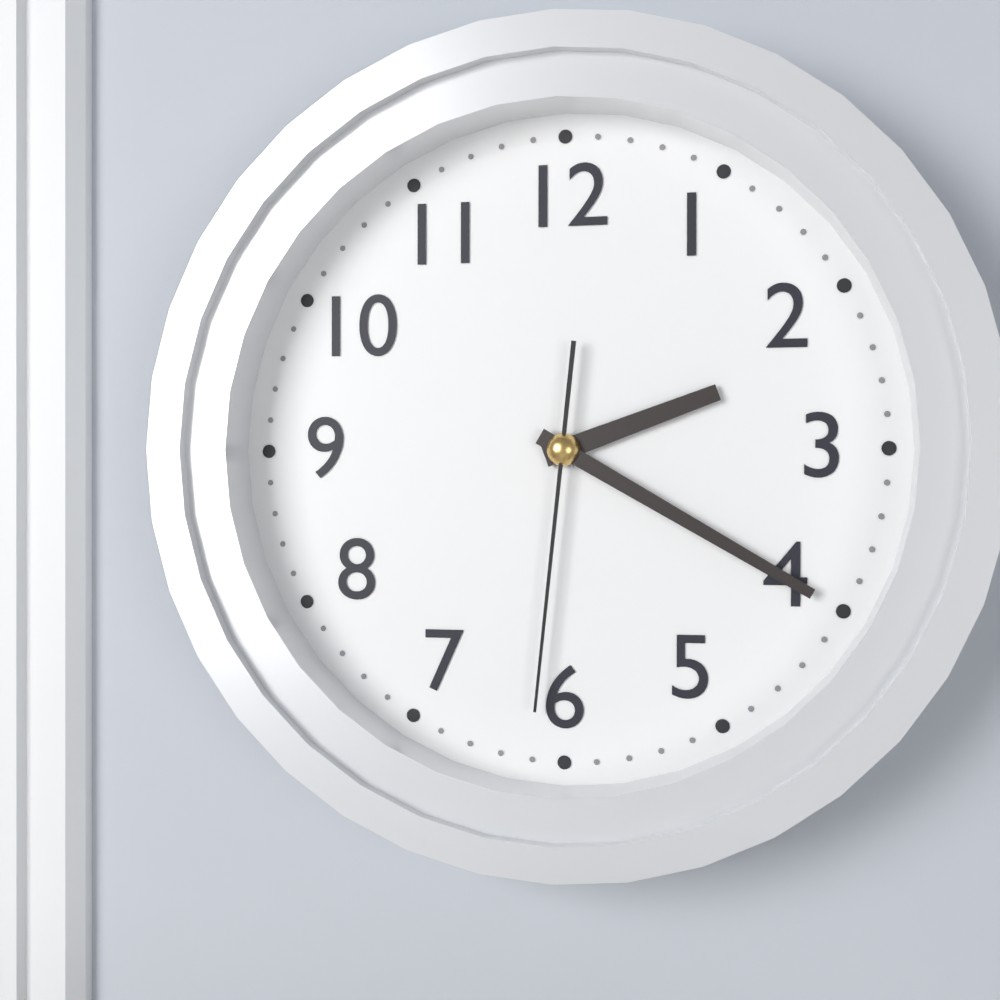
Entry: 2:20:31
